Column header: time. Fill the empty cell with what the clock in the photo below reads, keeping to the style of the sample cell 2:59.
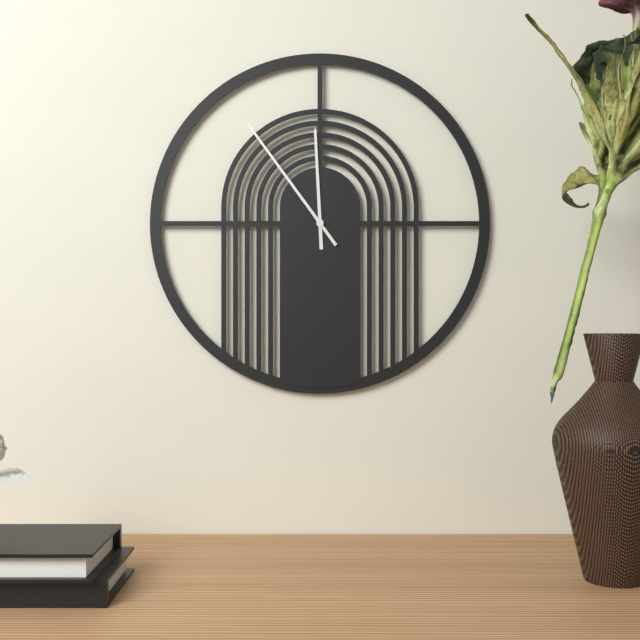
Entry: 11:54
